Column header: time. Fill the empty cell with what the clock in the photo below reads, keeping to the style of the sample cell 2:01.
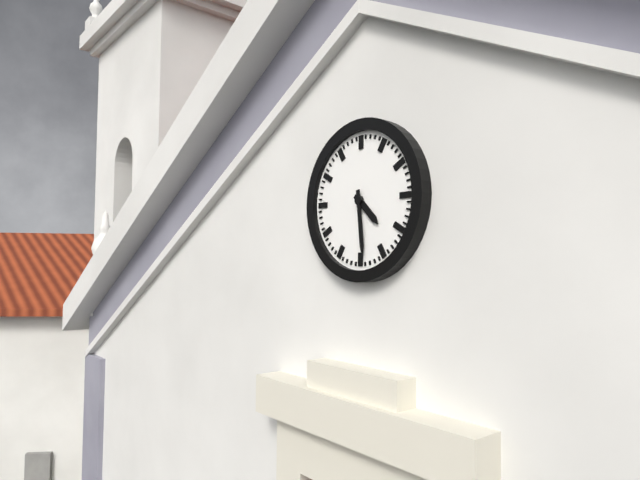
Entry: 4:29
